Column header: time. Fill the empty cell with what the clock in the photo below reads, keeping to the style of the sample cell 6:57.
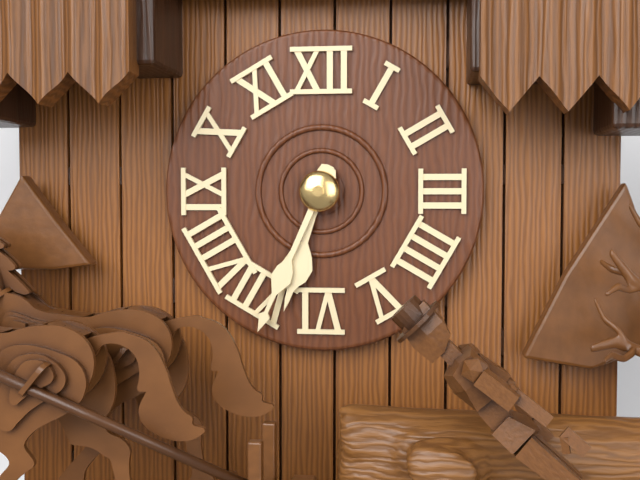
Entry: 6:34
